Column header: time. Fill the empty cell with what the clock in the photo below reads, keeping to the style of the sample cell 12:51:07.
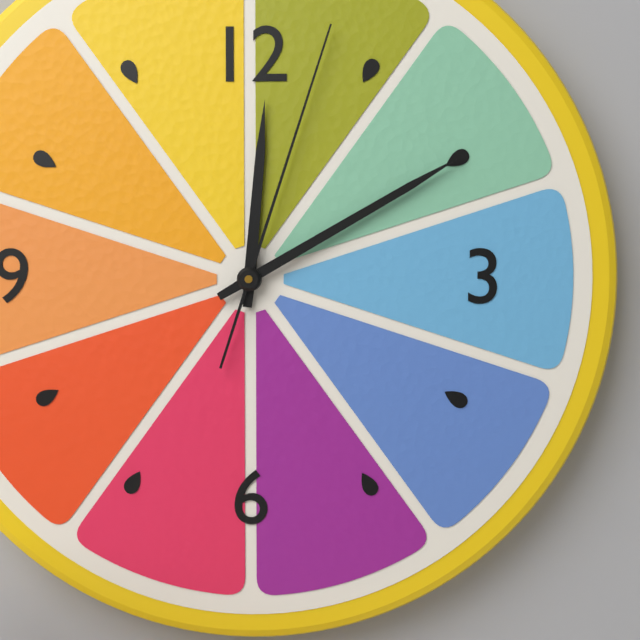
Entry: 12:10:03
